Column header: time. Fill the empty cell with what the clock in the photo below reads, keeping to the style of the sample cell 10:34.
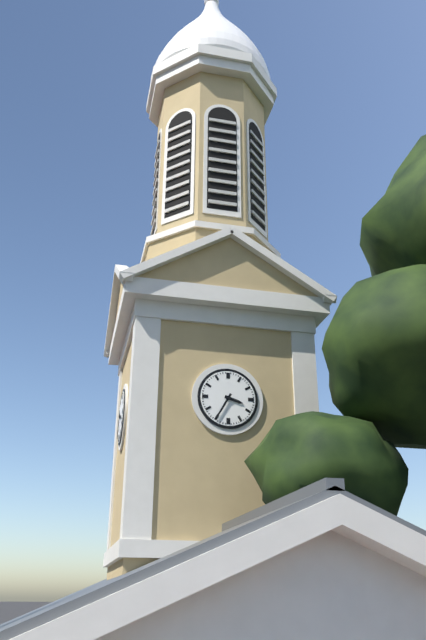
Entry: 3:35
